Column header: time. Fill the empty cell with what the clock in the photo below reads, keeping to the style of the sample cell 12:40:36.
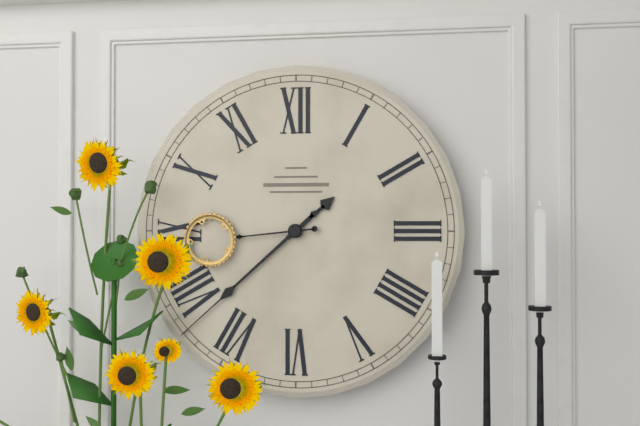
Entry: 1:38:44
